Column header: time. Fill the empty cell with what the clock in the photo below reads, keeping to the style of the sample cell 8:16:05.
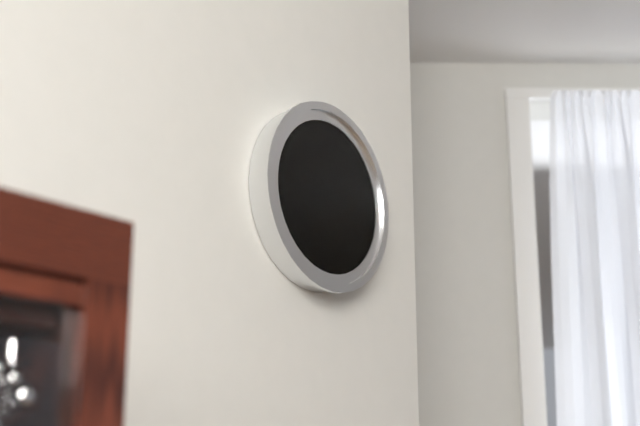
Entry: 11:47:34
